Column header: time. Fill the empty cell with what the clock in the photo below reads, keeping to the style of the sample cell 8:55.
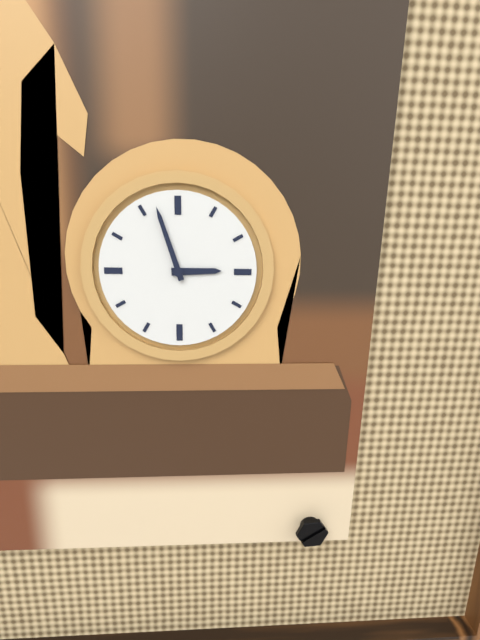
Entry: 2:57
